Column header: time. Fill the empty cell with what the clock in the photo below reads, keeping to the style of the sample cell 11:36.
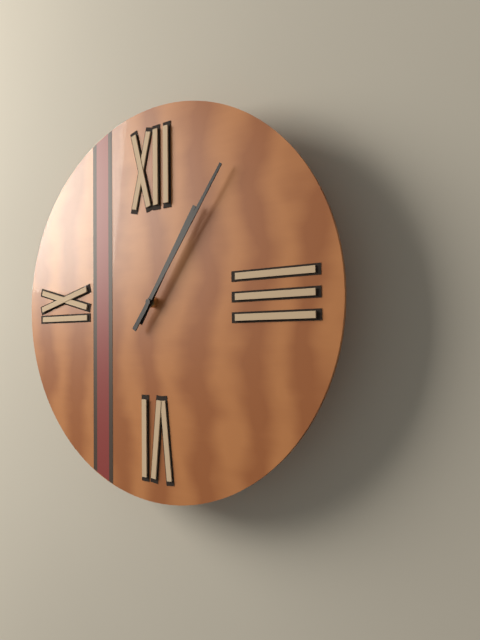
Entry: 1:06
